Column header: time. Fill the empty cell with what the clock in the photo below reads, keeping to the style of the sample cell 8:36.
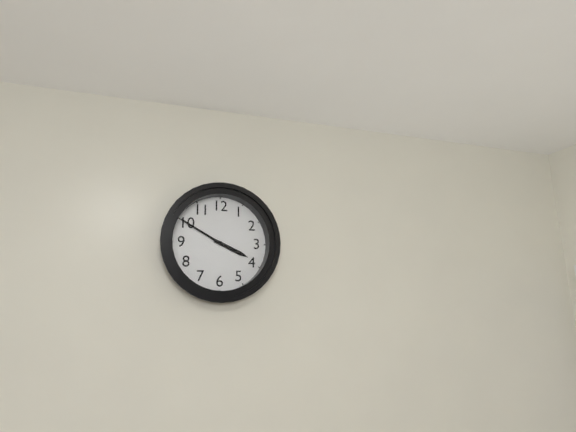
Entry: 3:50
